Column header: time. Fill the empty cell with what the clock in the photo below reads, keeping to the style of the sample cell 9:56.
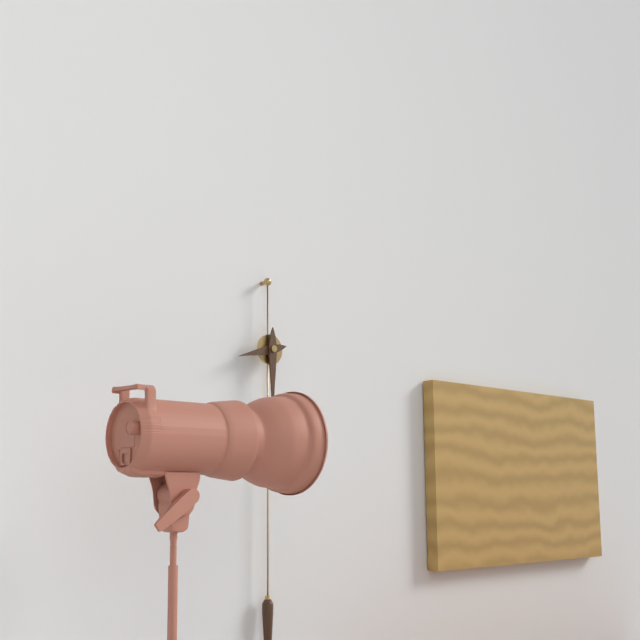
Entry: 8:30
